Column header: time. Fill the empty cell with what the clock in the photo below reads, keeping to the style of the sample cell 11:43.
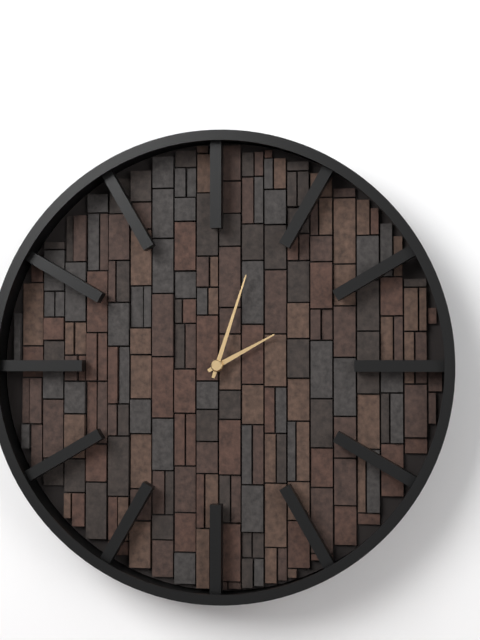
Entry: 2:03
